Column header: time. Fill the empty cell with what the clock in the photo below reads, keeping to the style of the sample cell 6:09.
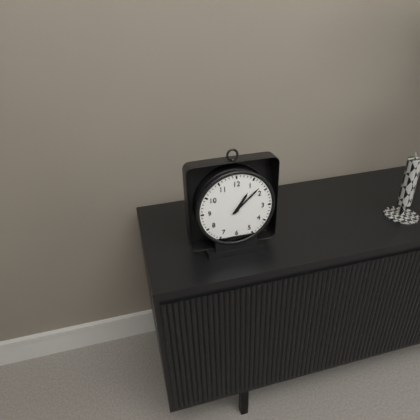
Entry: 1:08
